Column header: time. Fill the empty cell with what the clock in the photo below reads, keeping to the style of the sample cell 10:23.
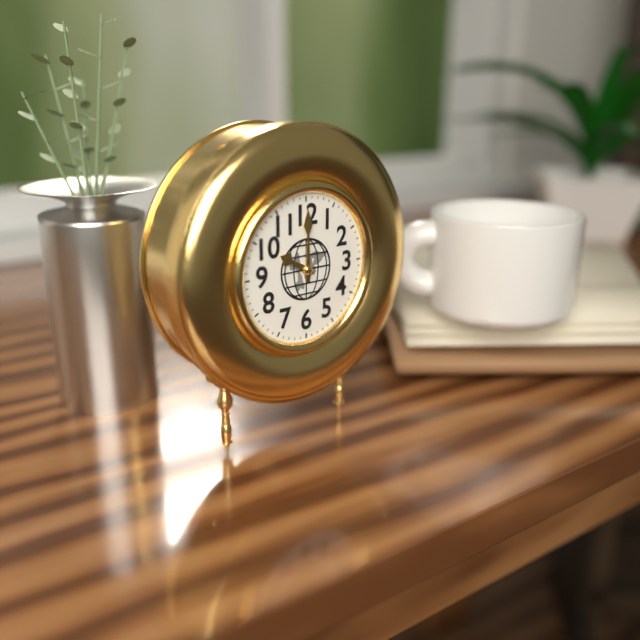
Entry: 10:00
